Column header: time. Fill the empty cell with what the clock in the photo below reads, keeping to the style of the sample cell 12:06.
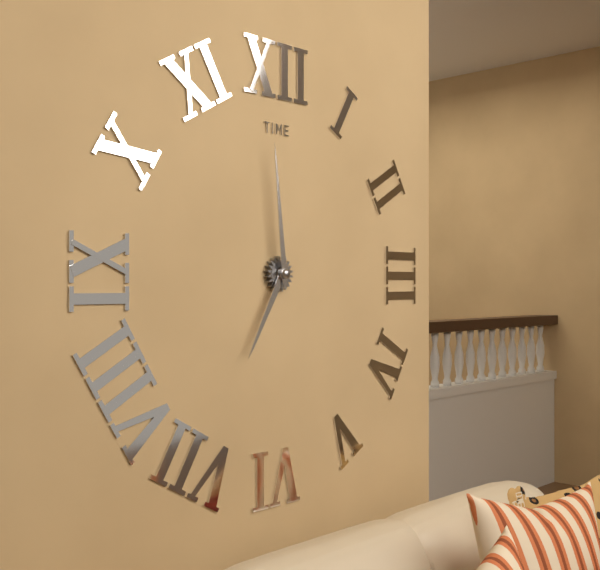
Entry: 6:59
